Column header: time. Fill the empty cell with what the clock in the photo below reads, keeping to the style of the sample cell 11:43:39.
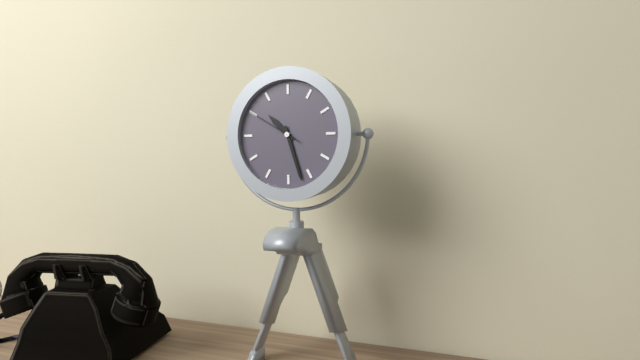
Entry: 10:27:50
